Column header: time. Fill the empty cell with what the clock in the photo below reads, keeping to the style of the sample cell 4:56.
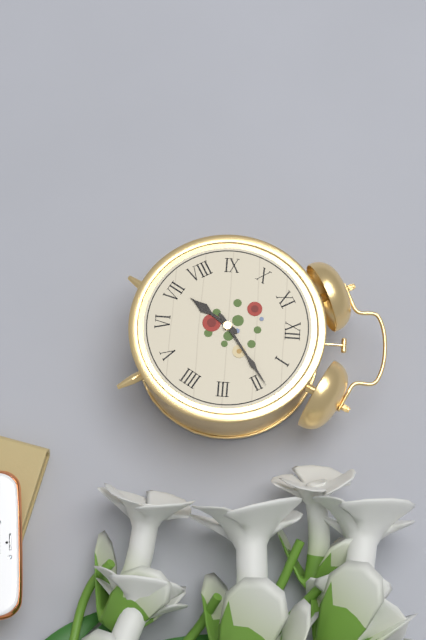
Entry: 7:09
